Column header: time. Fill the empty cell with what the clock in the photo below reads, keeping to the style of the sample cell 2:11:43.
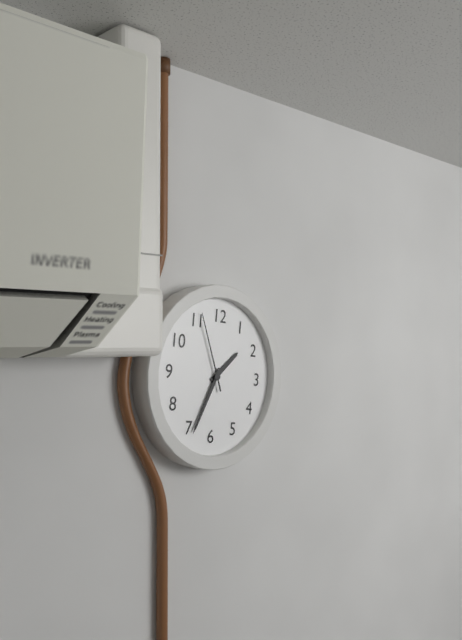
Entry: 1:34:56
